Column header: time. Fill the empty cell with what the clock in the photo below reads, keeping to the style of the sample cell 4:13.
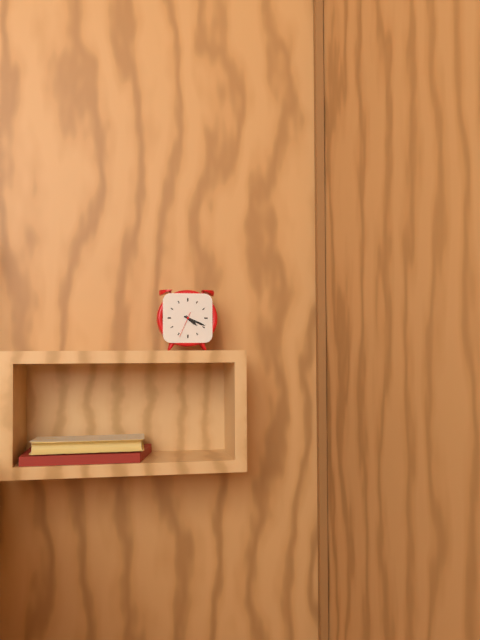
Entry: 4:19
